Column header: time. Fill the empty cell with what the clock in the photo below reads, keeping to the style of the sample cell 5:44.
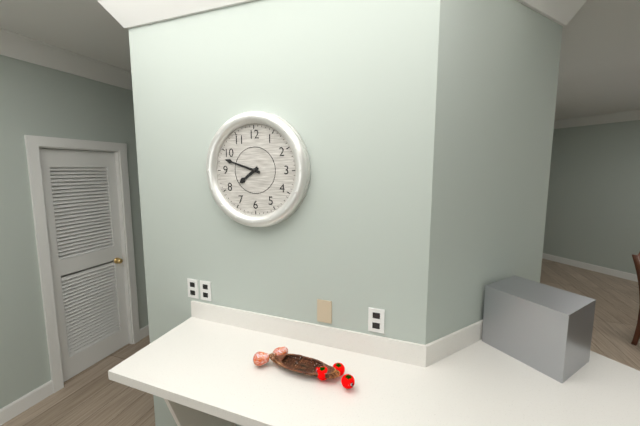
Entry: 7:48
